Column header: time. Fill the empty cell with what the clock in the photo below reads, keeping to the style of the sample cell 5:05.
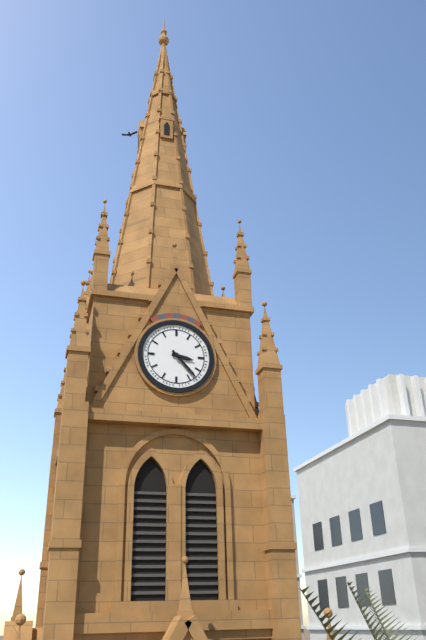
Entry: 3:23
